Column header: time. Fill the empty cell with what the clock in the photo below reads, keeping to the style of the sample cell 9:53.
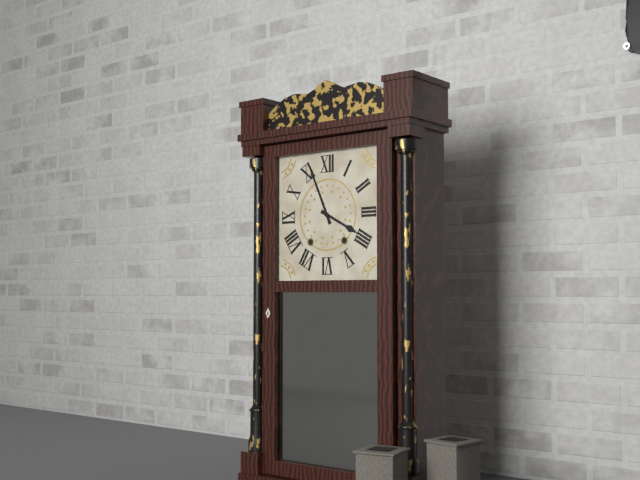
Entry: 3:56
